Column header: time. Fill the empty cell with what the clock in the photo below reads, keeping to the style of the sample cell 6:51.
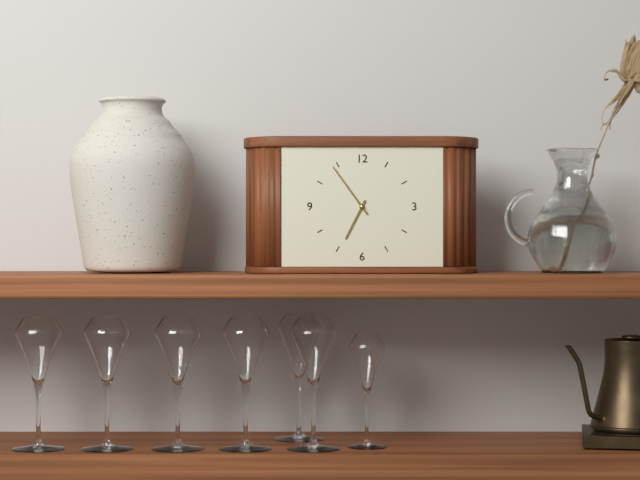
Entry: 6:54
